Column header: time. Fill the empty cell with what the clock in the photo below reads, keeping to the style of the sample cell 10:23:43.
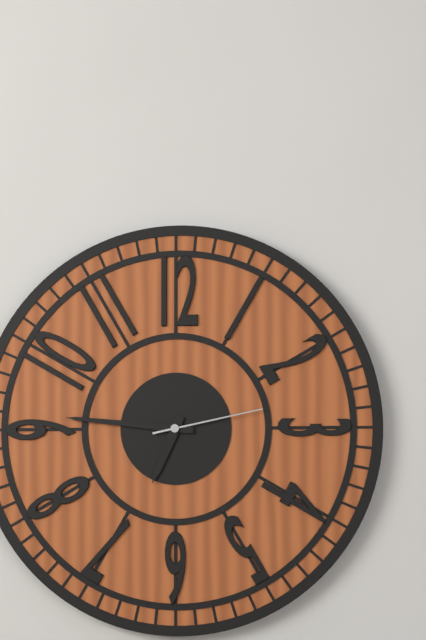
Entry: 6:46:13
